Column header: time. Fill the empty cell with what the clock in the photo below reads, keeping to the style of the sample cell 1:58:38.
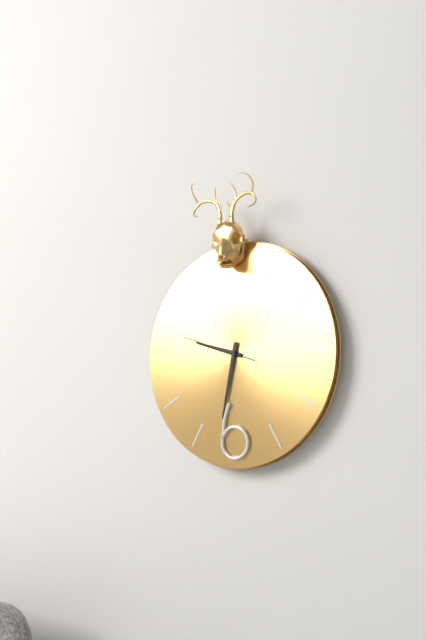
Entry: 9:32:48
